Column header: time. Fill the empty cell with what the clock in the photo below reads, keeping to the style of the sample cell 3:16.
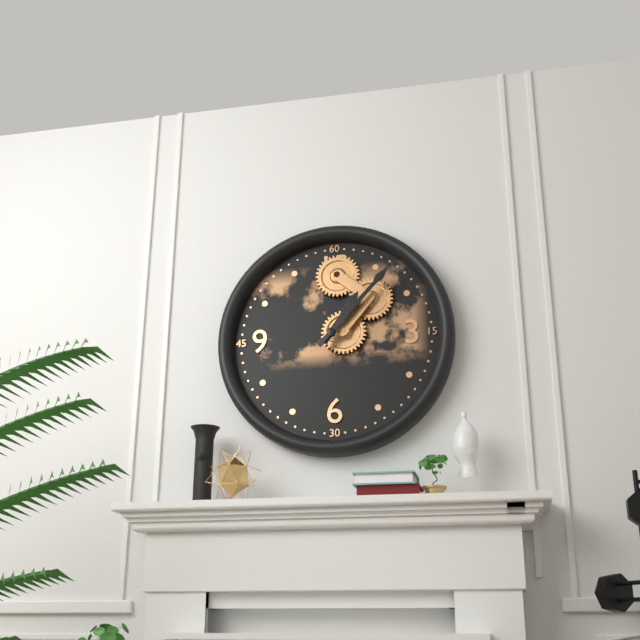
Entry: 1:07
